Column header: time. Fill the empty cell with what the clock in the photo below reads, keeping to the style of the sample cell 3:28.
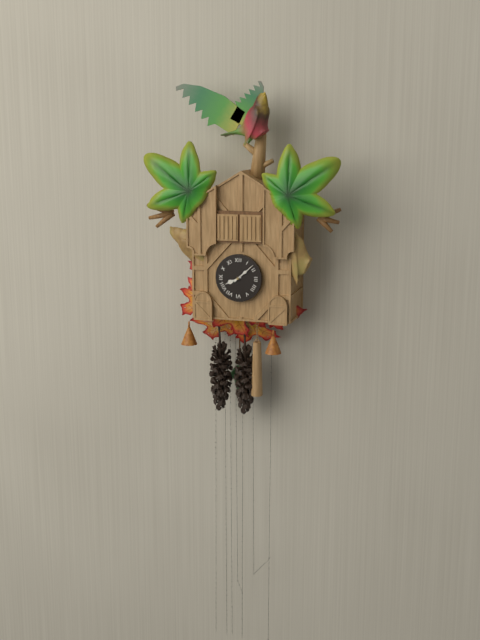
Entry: 8:08
